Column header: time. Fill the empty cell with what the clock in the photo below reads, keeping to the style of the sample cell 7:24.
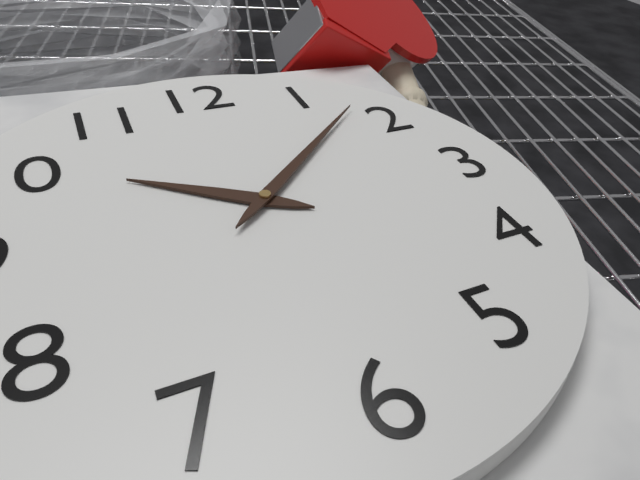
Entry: 10:08
